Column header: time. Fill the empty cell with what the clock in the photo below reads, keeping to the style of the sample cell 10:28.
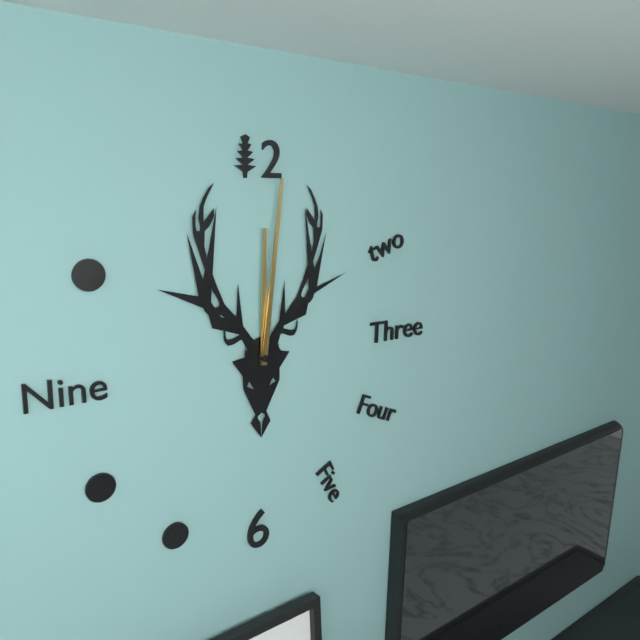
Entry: 12:01
